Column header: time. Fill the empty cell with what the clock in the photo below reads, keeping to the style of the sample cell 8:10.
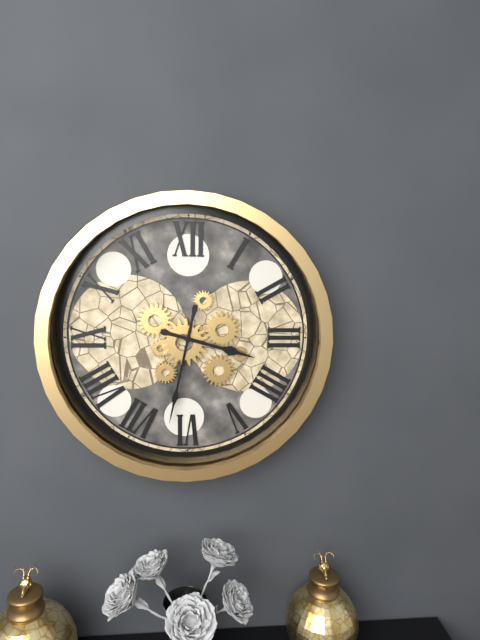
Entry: 3:32
